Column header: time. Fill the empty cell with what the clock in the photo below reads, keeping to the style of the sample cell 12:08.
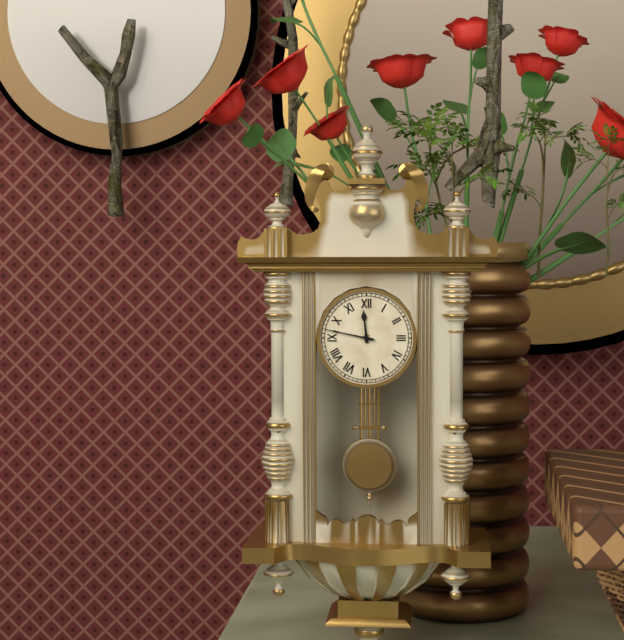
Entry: 11:47
